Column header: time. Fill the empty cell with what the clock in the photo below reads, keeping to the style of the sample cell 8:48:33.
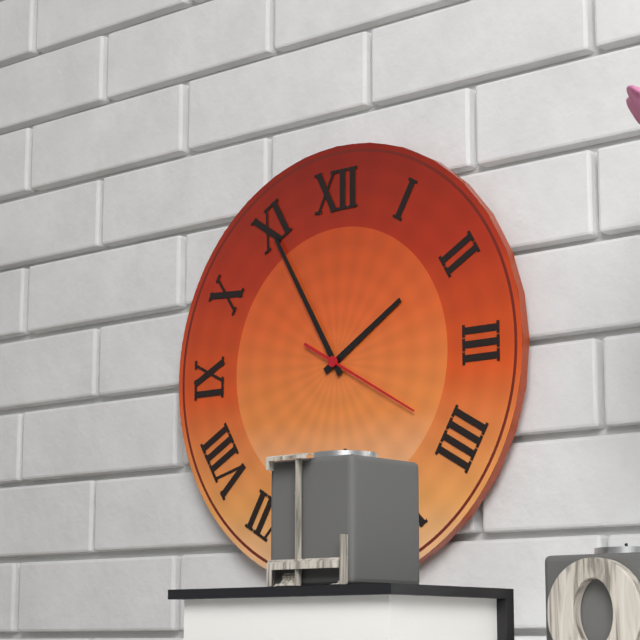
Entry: 1:55:20
